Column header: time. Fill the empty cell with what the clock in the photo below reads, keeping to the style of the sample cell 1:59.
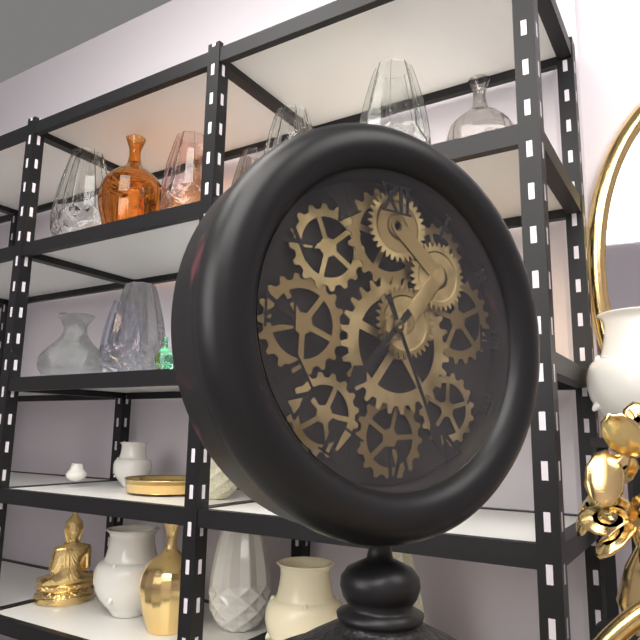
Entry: 7:26
